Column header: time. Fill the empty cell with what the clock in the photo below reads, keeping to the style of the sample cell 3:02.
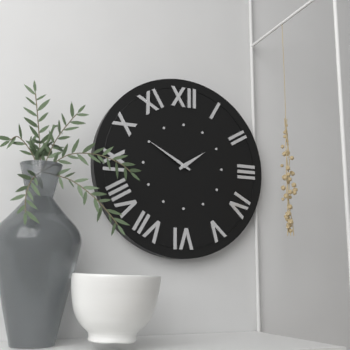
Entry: 1:50
